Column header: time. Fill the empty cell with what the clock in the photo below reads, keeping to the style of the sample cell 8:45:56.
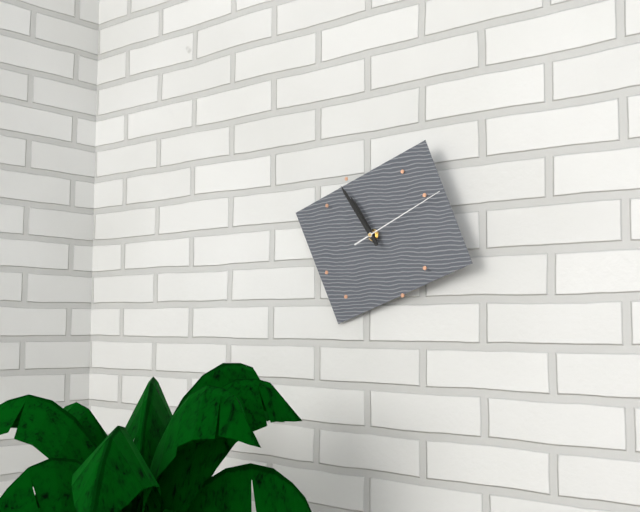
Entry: 10:54:11
